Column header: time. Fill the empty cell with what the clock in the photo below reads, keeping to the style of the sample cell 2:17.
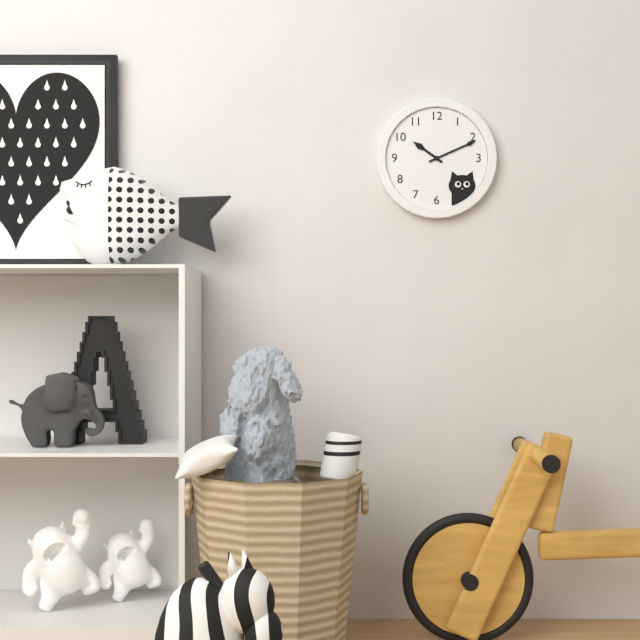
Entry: 10:11
